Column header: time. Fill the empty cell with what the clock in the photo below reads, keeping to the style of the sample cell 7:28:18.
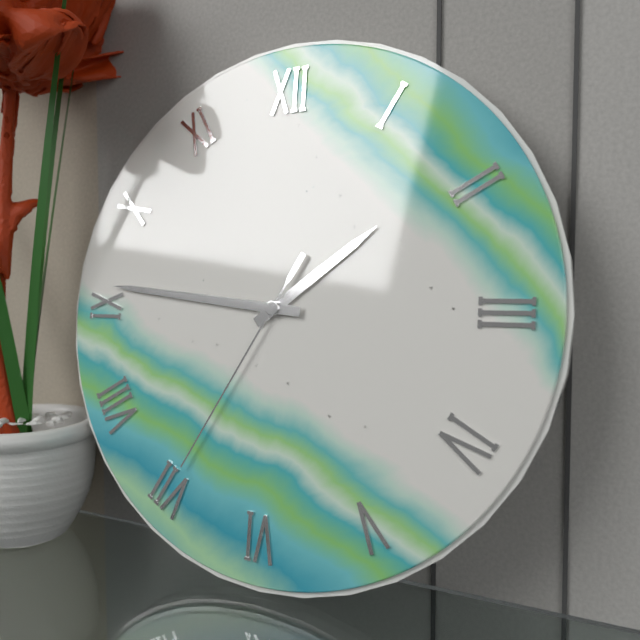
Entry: 1:46:35
